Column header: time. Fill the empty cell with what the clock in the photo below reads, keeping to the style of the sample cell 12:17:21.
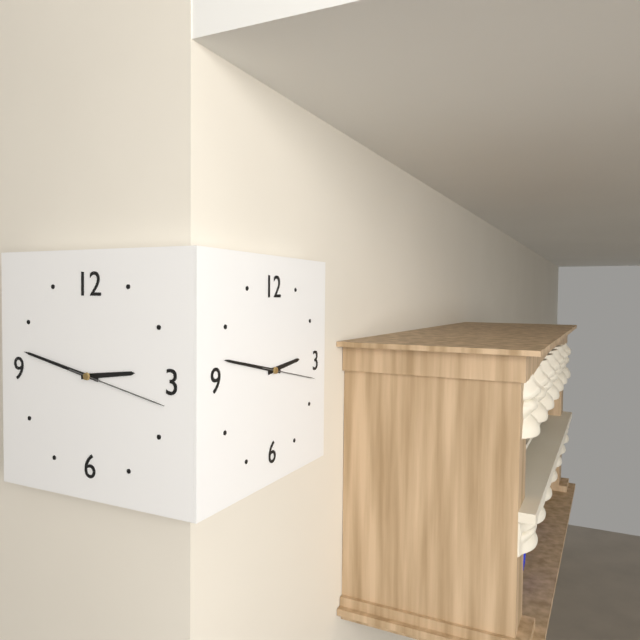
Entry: 2:47:17
